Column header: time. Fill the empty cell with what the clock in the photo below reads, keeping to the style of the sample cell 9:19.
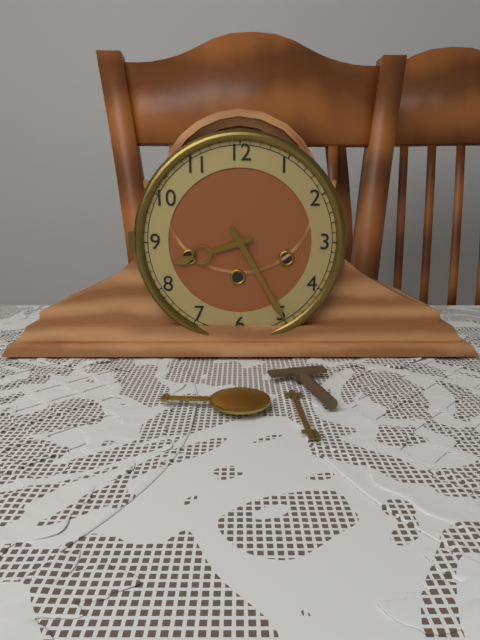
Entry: 8:25
